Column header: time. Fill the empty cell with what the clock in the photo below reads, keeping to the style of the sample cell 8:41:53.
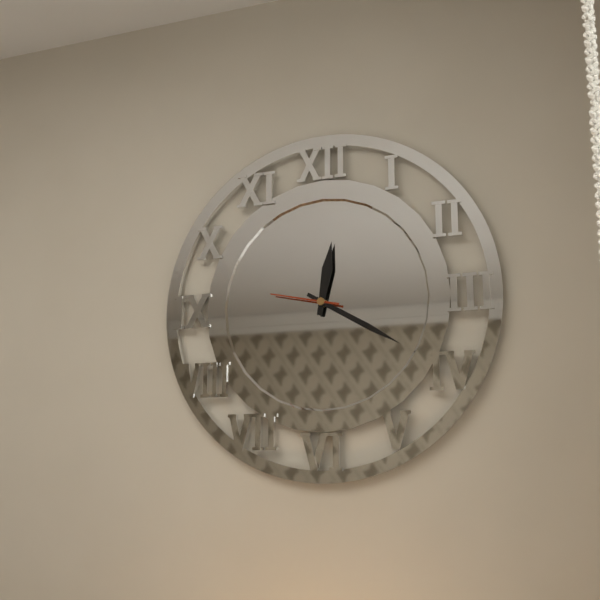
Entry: 12:20:47
